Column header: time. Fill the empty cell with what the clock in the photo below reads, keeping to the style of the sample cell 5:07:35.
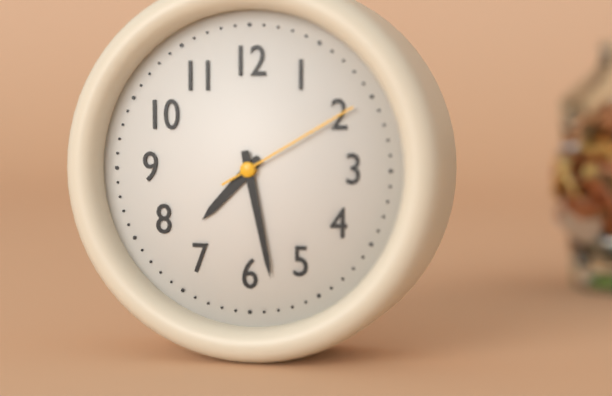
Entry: 7:28:10
